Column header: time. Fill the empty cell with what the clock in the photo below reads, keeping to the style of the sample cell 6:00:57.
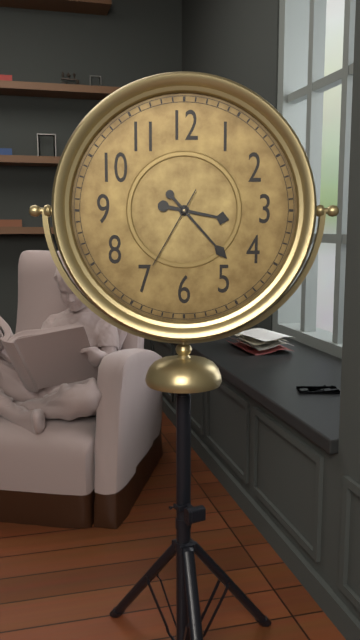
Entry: 3:23:35
